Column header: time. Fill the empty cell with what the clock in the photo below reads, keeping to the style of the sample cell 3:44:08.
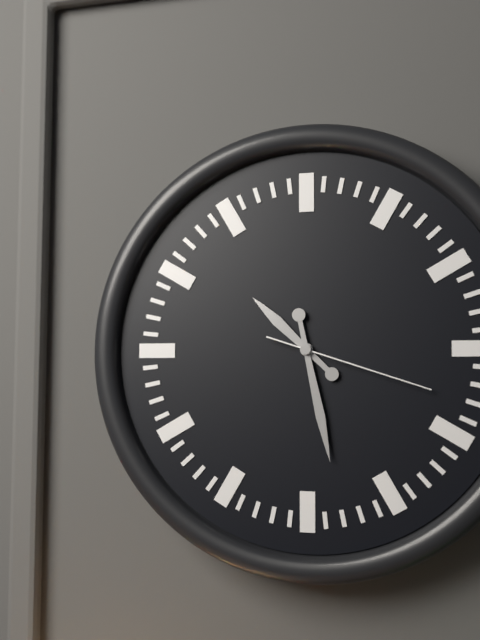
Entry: 10:28:18
